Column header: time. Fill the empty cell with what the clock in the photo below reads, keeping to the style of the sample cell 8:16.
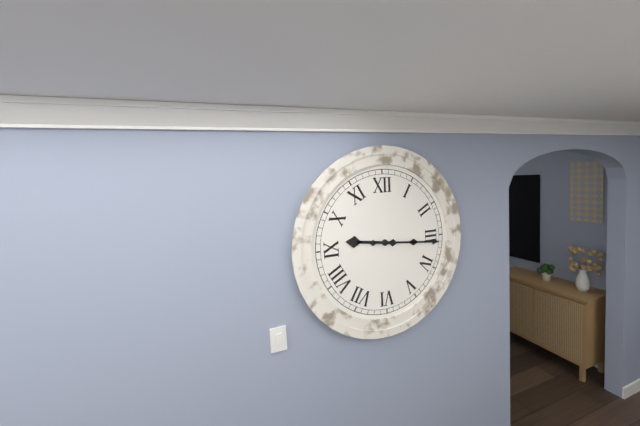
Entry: 9:16
